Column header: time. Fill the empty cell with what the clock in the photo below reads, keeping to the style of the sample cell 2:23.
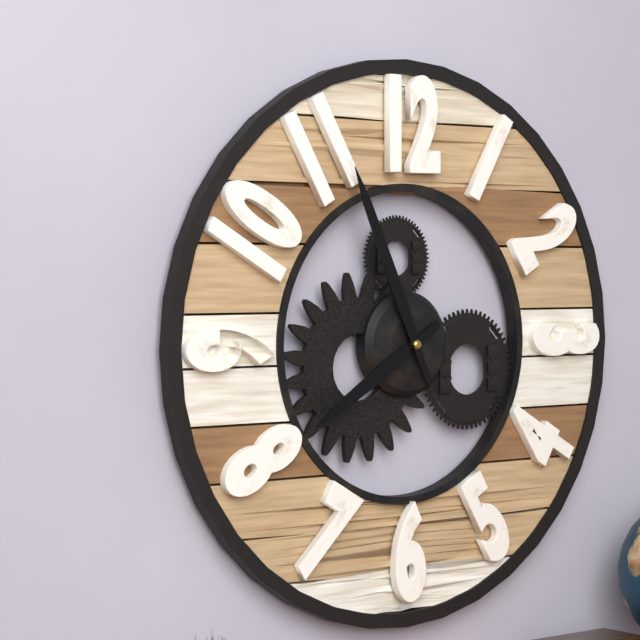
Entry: 7:56
